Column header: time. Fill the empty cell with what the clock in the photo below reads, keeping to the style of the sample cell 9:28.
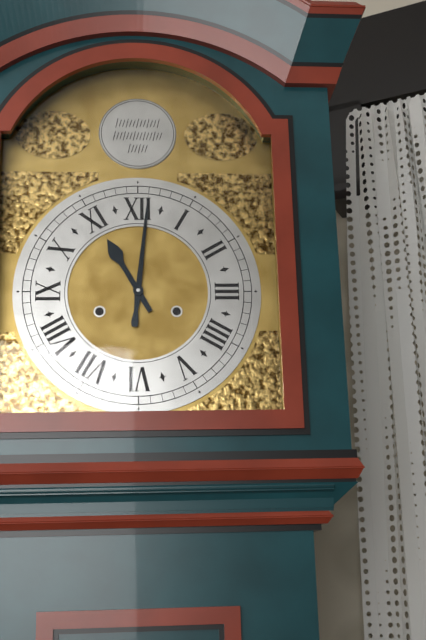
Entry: 11:01
